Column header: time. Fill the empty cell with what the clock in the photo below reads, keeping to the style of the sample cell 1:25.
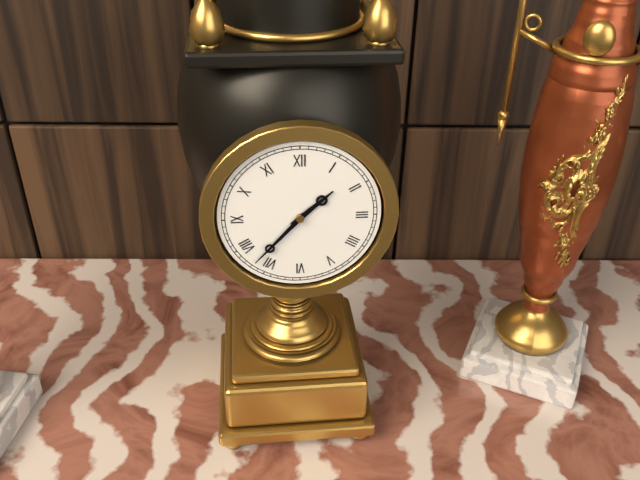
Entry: 1:37
